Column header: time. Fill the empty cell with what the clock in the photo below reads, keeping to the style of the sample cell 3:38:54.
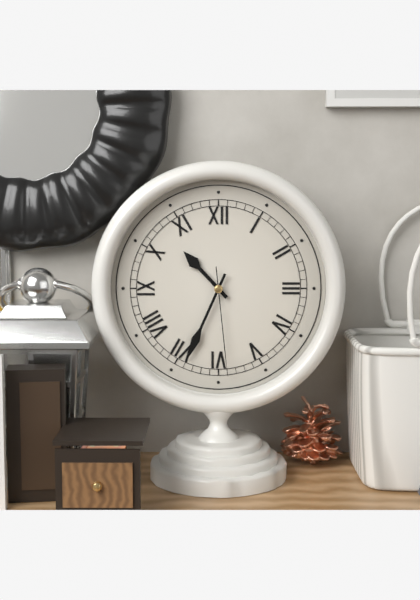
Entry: 10:34:29
